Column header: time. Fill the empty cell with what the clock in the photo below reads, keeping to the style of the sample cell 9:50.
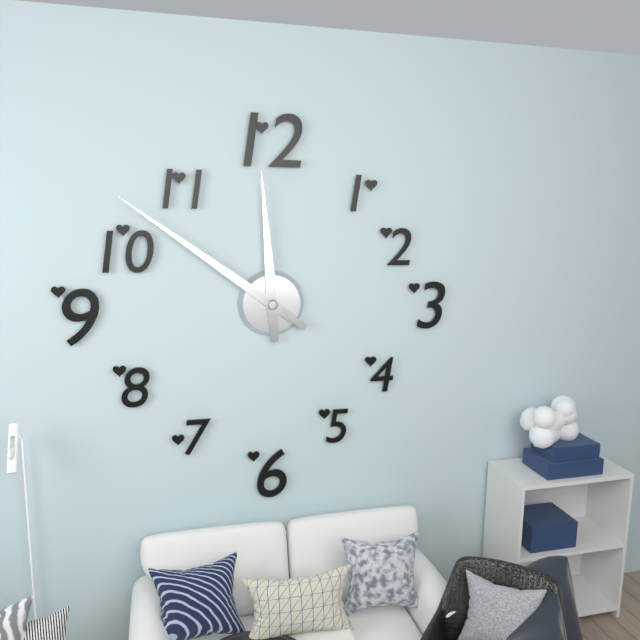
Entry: 11:51
